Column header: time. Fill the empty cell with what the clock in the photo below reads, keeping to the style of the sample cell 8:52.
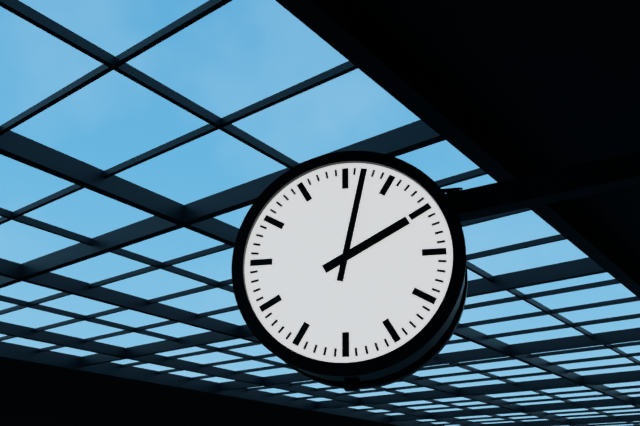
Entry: 2:02
